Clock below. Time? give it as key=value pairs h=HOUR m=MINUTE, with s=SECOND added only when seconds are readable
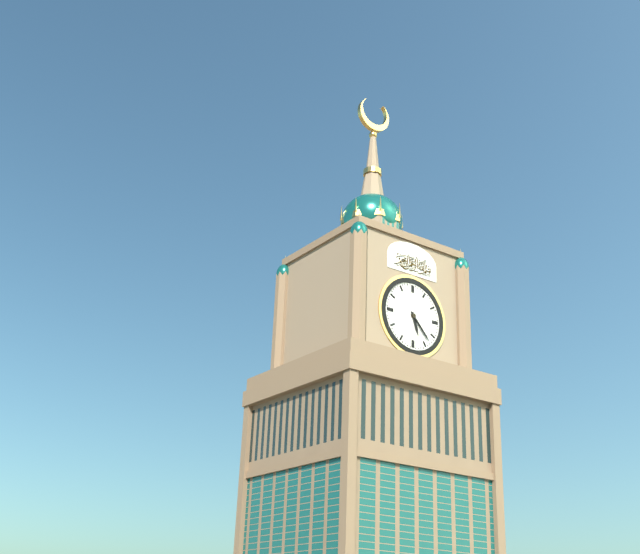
h=5 m=23
